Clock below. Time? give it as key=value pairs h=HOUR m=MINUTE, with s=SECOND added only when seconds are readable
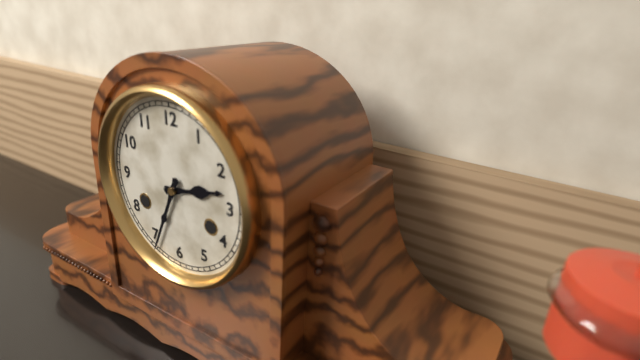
h=2 m=34
